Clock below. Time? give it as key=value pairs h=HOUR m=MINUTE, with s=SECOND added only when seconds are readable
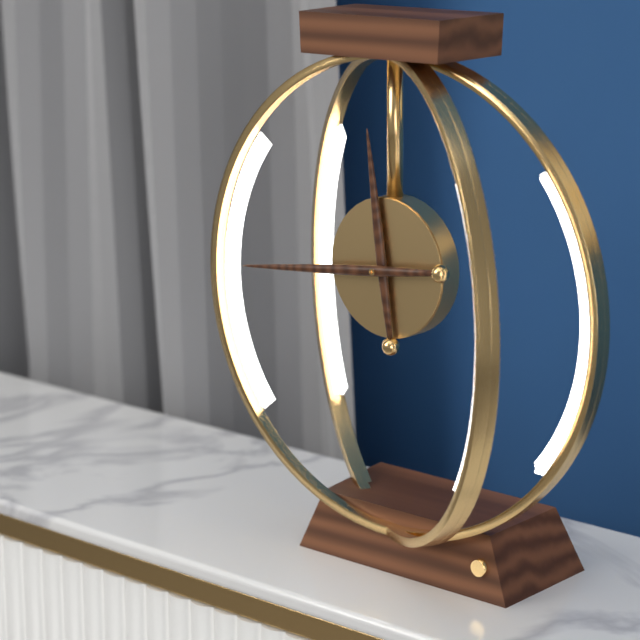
h=11 m=44
